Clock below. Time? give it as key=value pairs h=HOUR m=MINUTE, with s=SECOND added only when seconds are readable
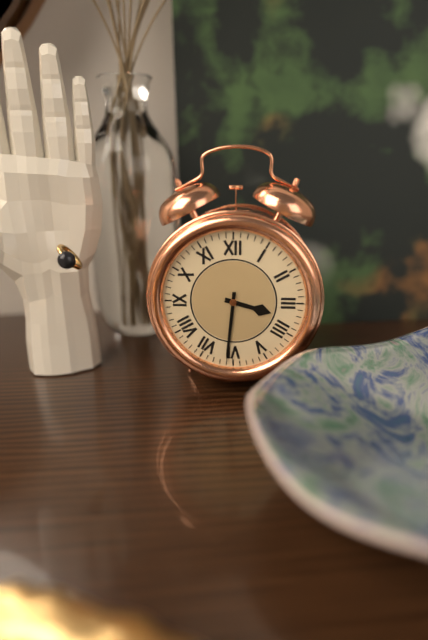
h=3 m=31
